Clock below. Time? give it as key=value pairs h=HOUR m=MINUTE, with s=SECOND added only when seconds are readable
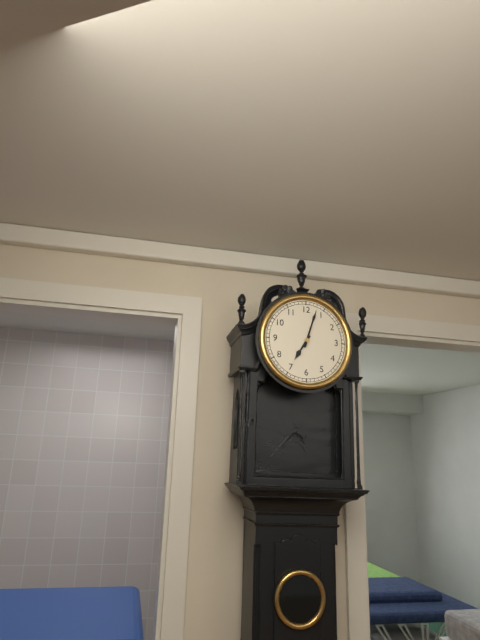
h=7 m=3
